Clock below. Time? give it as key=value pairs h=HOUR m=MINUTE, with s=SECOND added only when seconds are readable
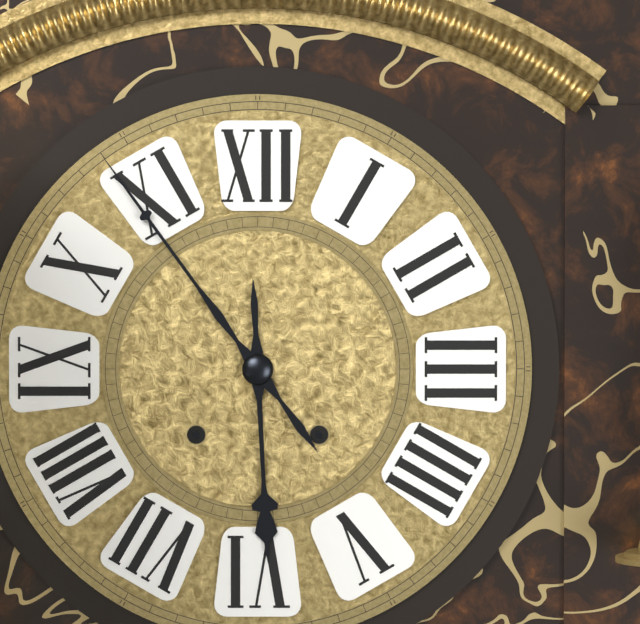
h=5 m=54
